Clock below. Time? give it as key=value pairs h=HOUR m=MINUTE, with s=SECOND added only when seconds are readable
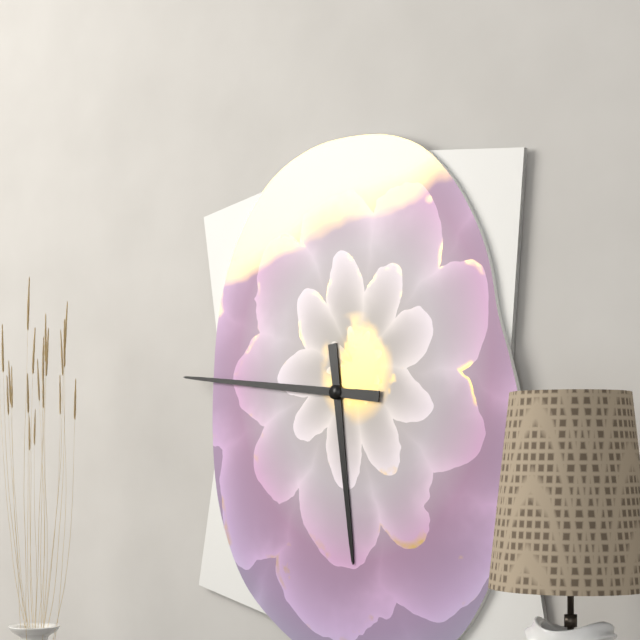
h=5 m=46
